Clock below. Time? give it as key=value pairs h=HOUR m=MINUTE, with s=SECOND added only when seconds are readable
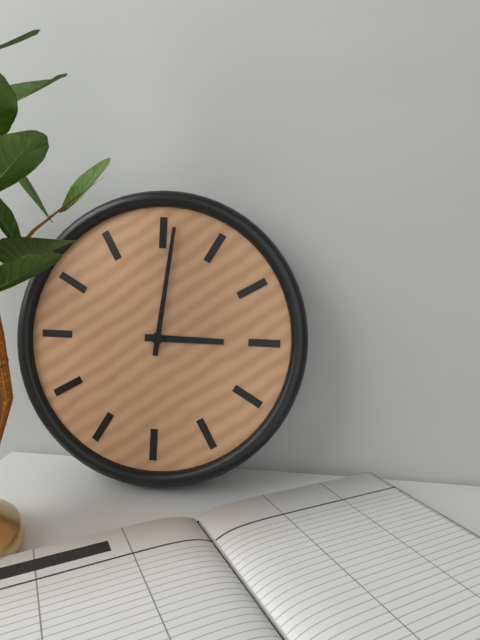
h=3 m=1
